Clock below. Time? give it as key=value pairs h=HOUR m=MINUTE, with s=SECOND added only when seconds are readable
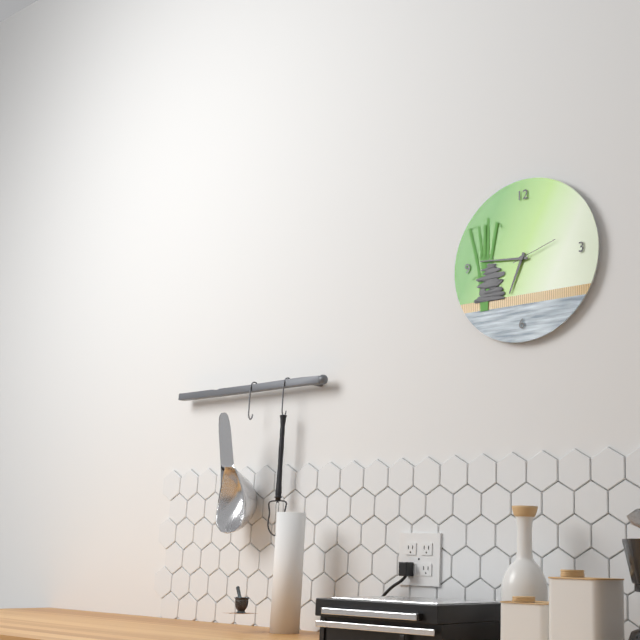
h=6 m=46
